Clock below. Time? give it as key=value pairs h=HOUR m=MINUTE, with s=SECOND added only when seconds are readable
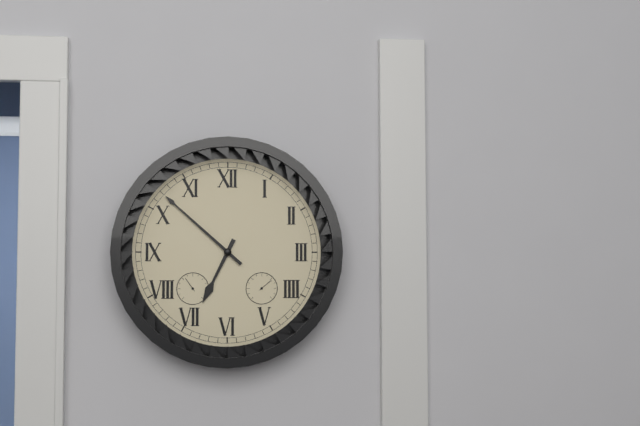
h=6 m=52
